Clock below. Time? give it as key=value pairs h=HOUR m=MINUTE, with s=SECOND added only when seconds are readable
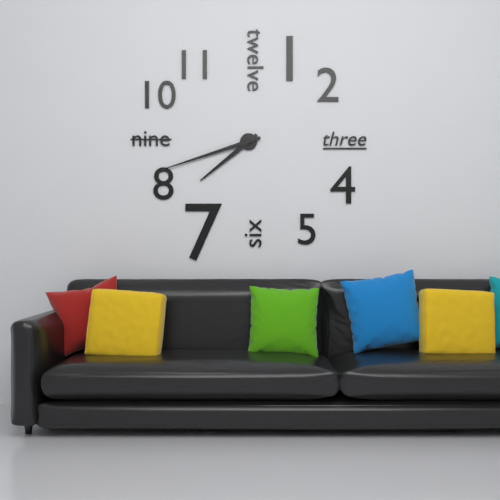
h=7 m=42
